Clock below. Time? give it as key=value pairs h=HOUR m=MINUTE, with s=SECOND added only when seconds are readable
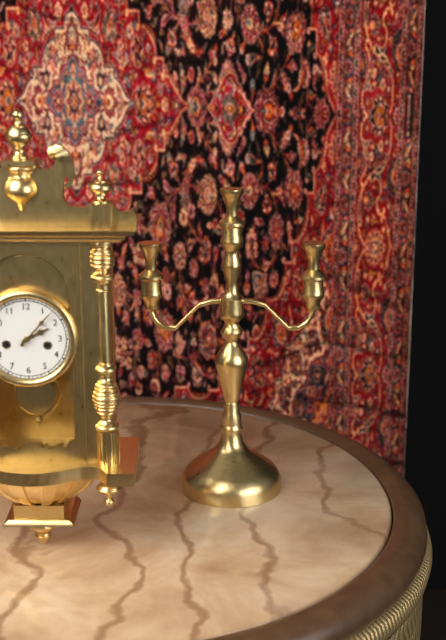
h=2 m=7
